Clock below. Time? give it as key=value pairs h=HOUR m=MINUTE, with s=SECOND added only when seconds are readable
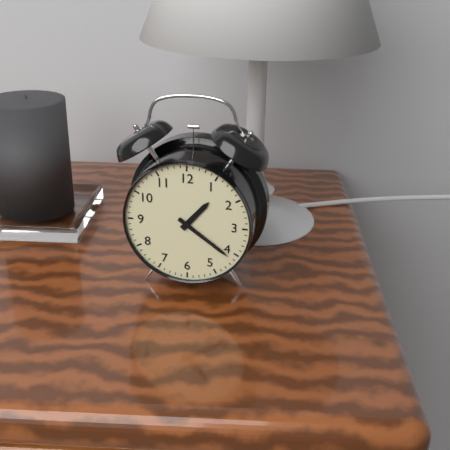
h=1 m=21
